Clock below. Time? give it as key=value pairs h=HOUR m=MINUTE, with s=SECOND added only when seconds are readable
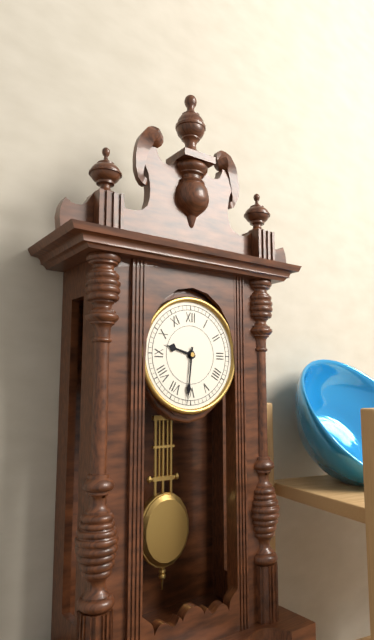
h=9 m=31
